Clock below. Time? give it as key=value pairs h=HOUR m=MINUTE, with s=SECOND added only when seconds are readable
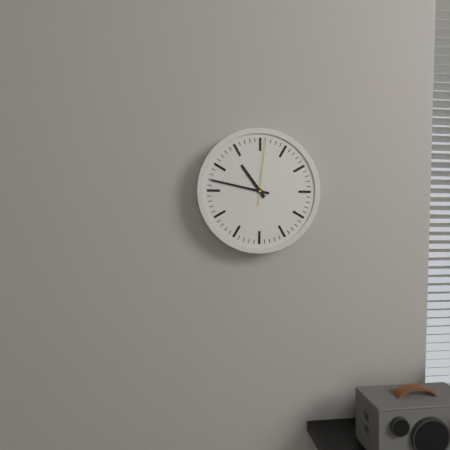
h=10 m=47 s=1
